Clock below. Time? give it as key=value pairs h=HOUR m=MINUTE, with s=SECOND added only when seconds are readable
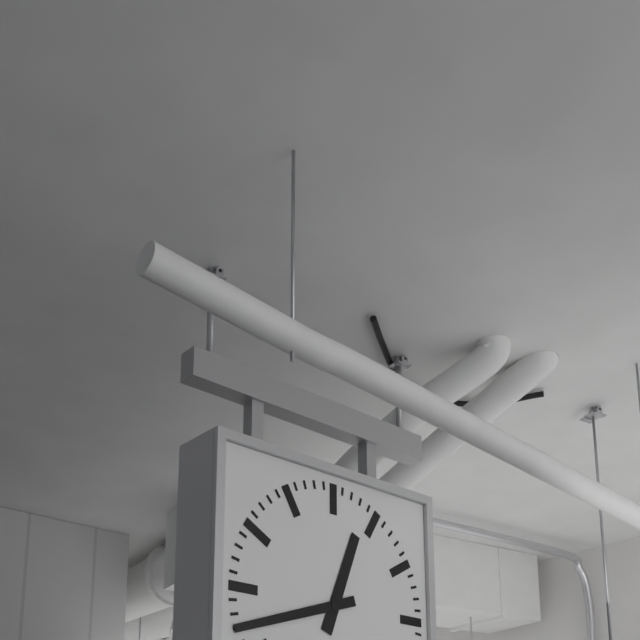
h=12 m=42
